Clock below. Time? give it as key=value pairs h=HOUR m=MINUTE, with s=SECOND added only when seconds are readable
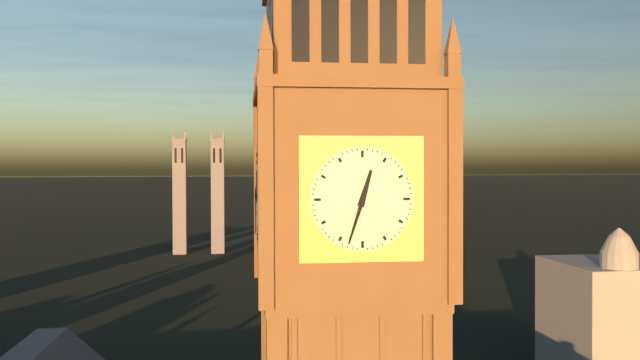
h=12 m=33
